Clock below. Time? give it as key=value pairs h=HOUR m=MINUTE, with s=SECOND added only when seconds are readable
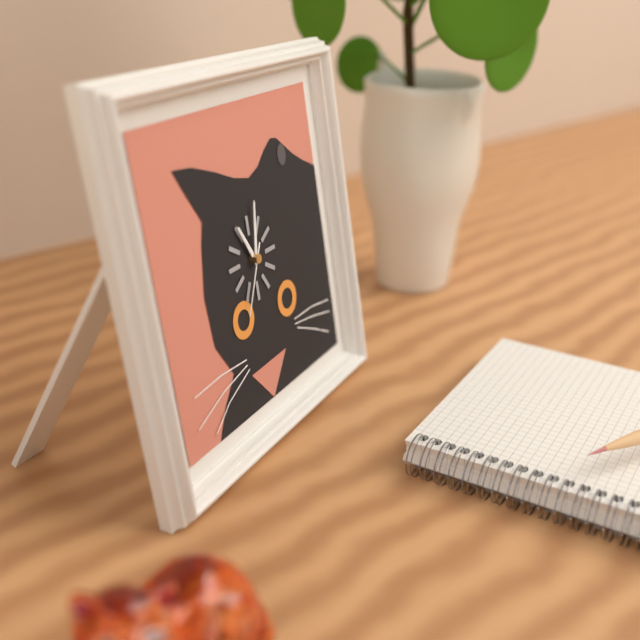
h=11 m=2 s=35
